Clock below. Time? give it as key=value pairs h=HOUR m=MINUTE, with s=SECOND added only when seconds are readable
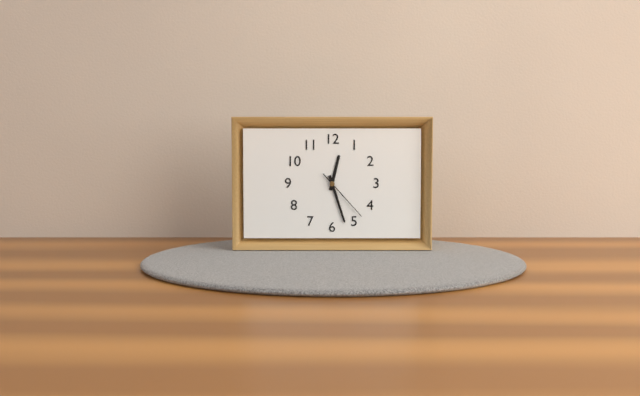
h=12 m=27 s=23
